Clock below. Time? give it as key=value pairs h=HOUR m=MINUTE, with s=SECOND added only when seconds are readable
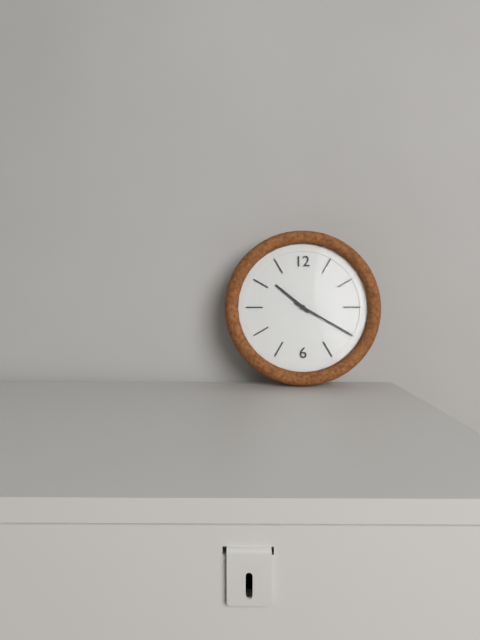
h=10 m=20
